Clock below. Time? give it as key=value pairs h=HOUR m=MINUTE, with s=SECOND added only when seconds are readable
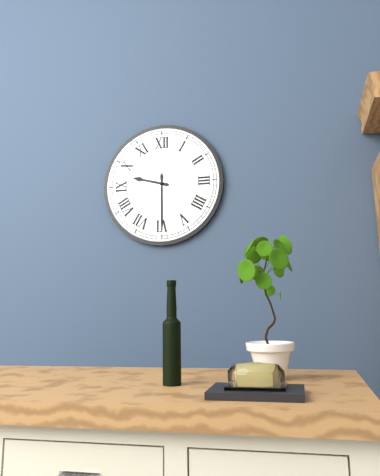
h=9 m=30
